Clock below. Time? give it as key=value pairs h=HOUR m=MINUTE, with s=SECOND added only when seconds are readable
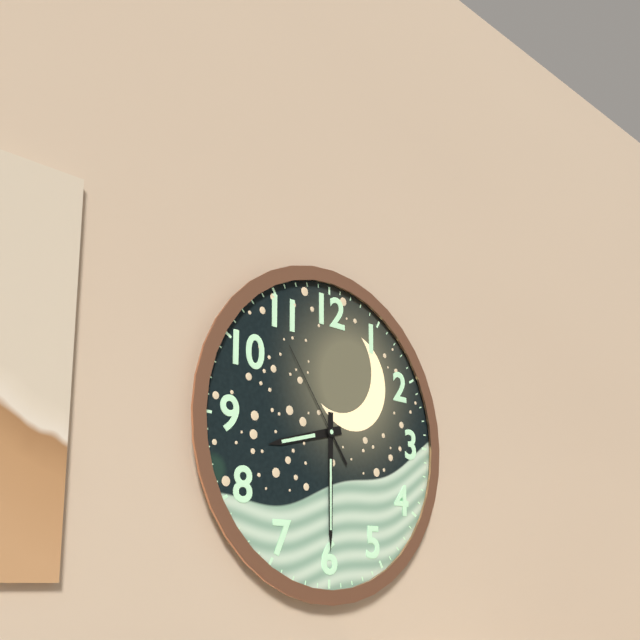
h=8 m=30 s=54
